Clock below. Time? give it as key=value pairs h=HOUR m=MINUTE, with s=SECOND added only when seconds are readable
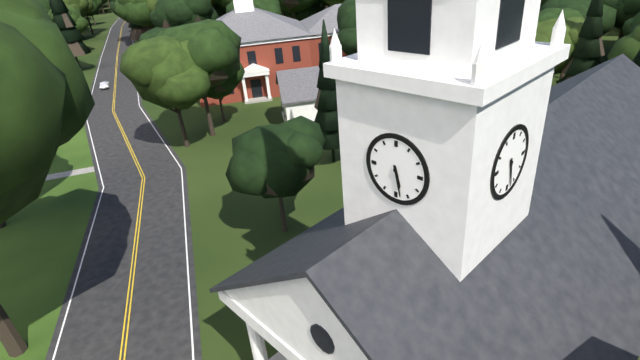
h=5 m=28
